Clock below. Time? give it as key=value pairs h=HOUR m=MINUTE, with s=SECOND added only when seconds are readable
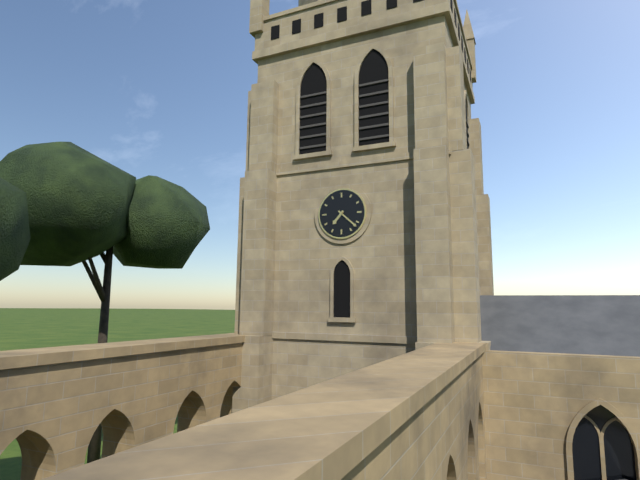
h=7 m=22
